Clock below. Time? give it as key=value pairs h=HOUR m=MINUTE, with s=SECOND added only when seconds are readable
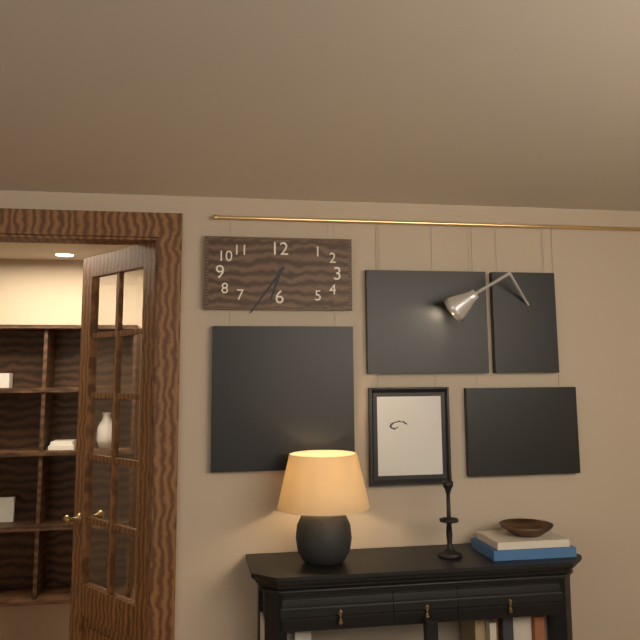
h=6 m=36
